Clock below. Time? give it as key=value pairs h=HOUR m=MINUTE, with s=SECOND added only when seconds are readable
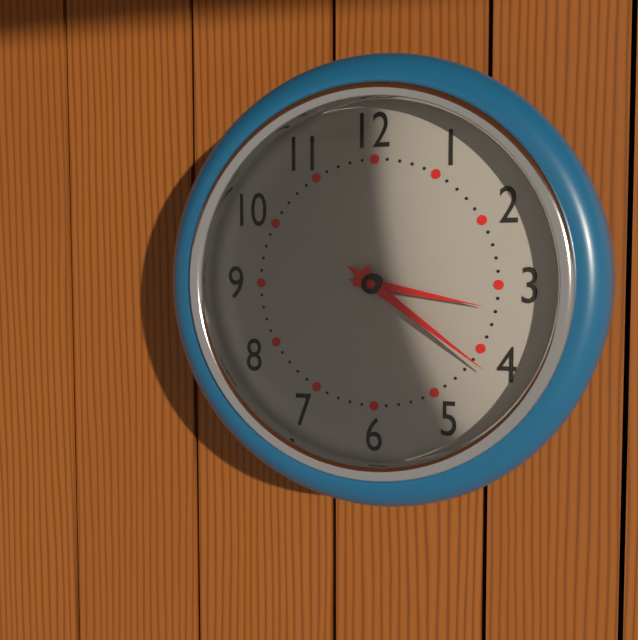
h=3 m=21
